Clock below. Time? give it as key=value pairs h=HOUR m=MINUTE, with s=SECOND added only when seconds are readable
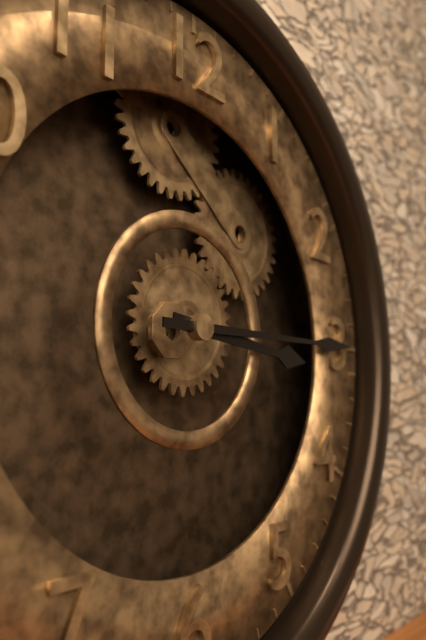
h=3 m=15
